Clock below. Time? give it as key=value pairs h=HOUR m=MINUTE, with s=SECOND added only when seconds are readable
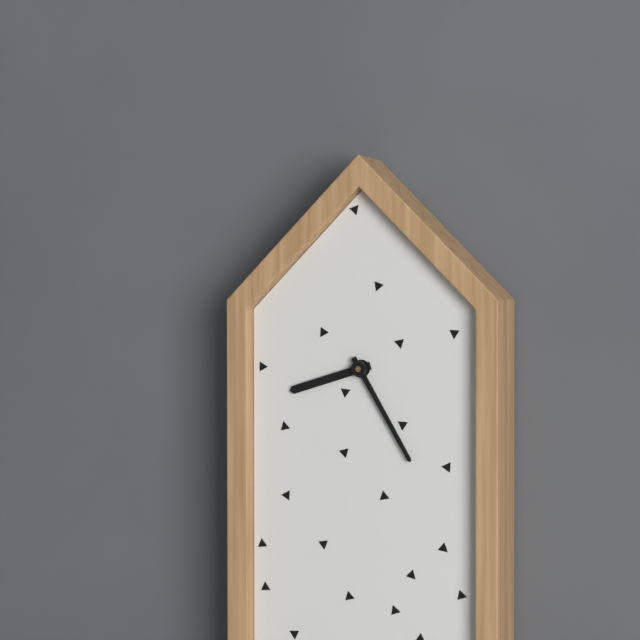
h=8 m=25
